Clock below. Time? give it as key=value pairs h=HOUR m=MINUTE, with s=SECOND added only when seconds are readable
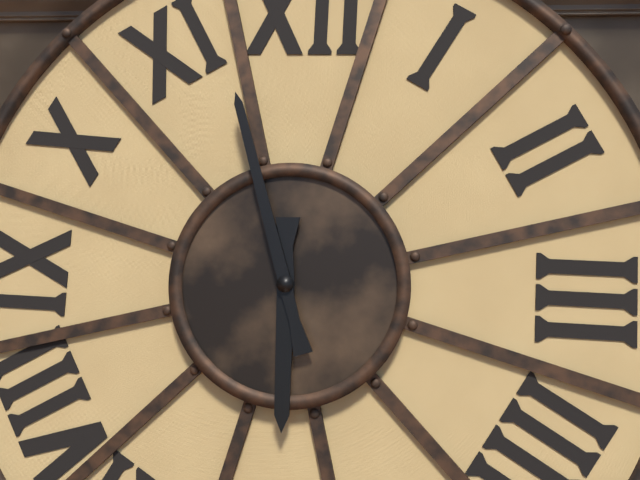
h=5 m=57
